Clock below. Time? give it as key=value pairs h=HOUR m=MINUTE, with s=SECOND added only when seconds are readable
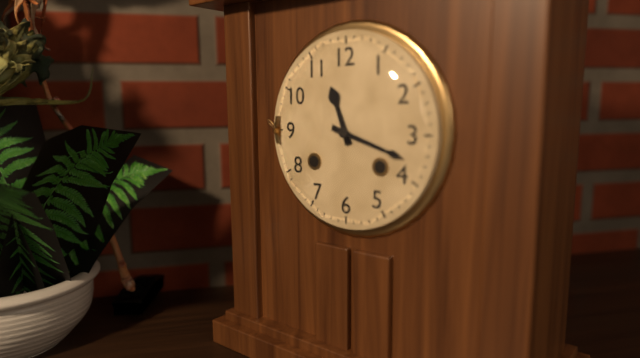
h=11 m=18
